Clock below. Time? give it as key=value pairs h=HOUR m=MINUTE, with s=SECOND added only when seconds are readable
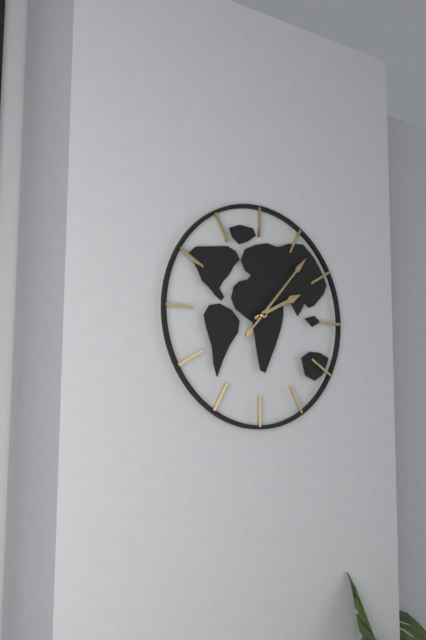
h=2 m=7
